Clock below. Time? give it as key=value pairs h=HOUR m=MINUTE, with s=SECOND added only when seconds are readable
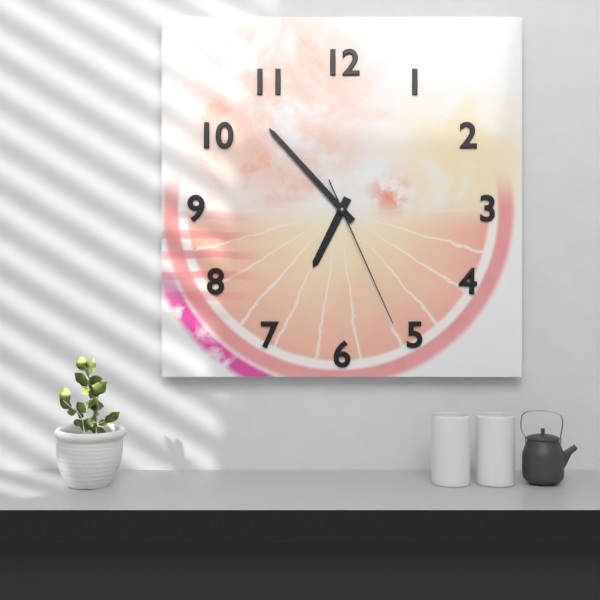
h=6 m=53 s=26
